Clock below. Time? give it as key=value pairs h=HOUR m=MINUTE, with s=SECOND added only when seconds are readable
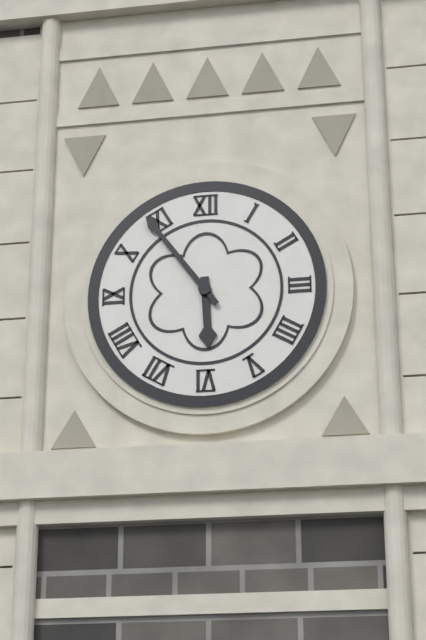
h=5 m=54
